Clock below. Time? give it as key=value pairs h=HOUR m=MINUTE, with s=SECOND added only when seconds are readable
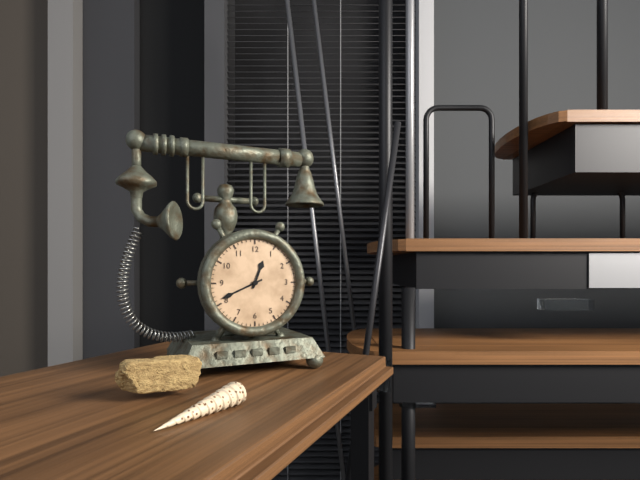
h=12 m=41
